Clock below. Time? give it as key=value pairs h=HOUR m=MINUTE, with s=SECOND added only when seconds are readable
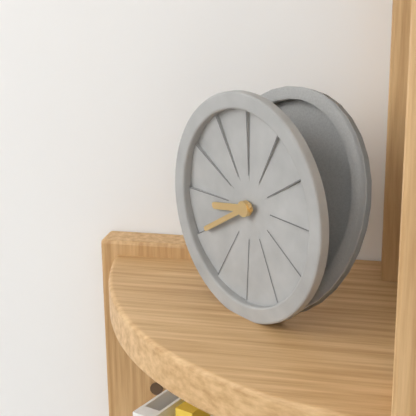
h=8 m=40
